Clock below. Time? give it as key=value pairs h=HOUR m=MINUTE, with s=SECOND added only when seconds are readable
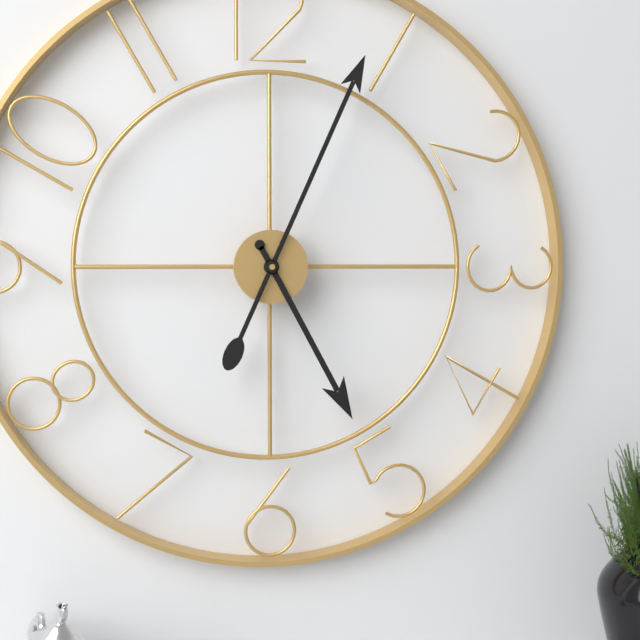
h=5 m=4
